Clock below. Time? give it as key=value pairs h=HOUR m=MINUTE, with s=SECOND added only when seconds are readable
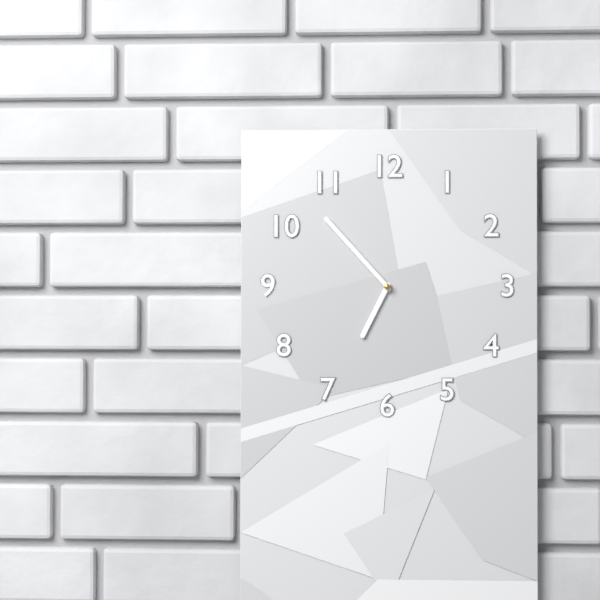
h=6 m=53
